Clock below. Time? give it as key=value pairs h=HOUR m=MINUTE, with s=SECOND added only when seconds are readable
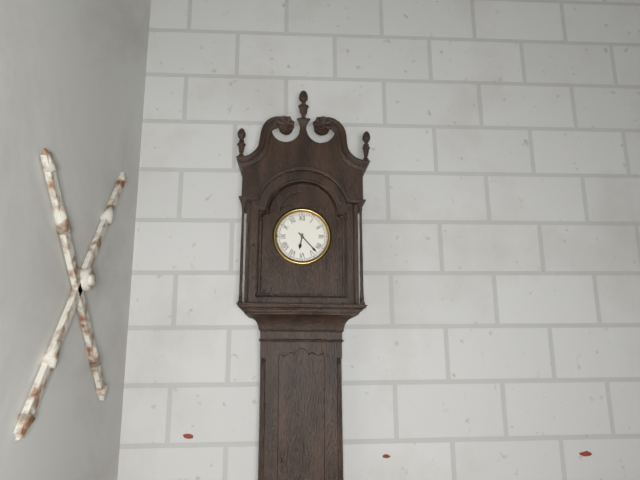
h=6 m=23
